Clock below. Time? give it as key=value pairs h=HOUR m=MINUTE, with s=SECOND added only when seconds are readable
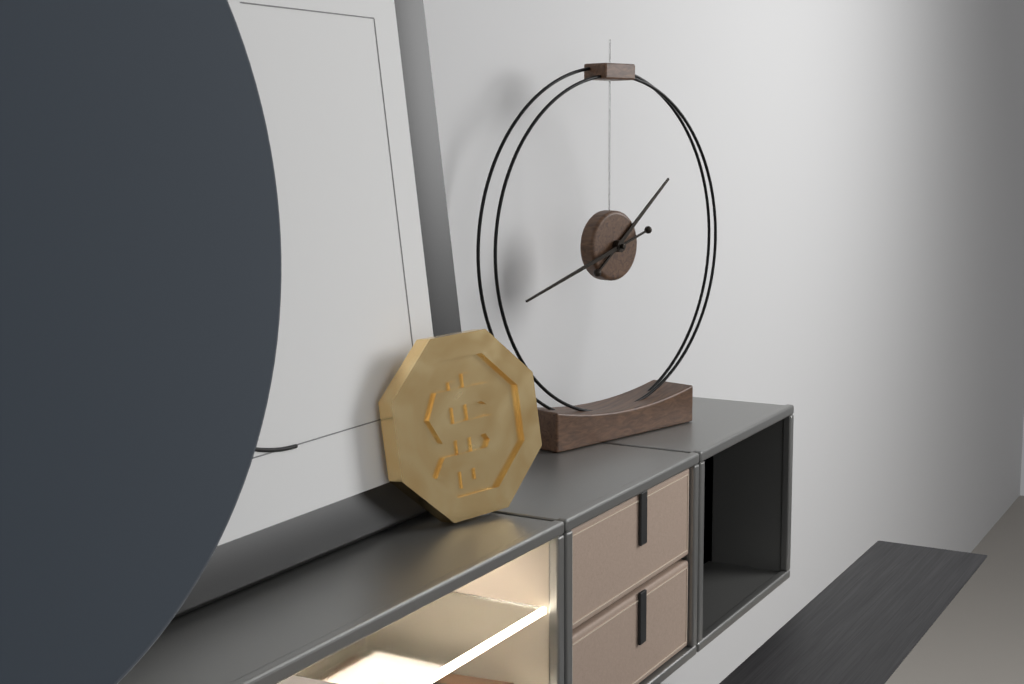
h=1 m=42
